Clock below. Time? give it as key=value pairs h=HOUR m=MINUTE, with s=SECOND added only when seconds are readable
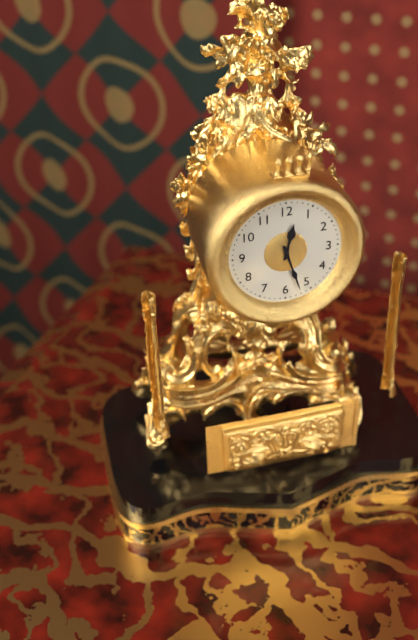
h=12 m=27
